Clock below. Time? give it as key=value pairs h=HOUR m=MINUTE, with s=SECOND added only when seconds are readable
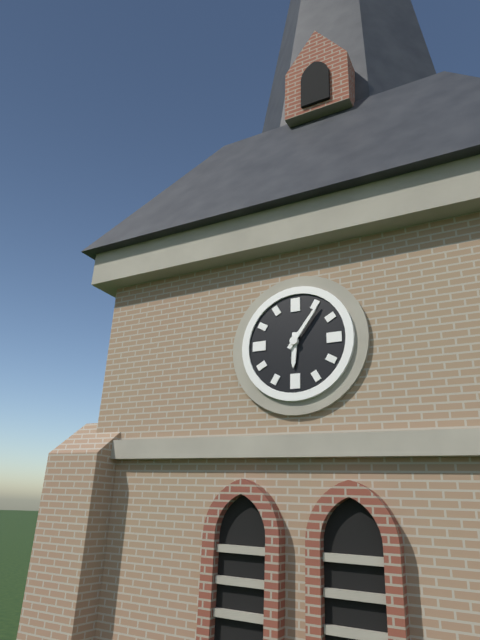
h=6 m=6
